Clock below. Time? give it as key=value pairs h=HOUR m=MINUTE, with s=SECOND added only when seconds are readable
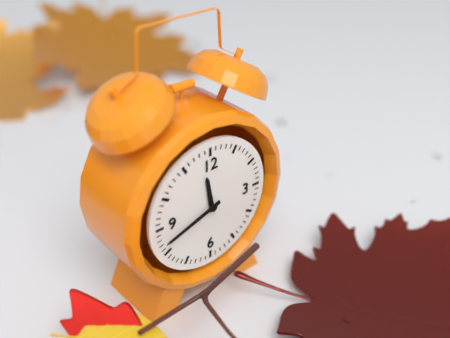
h=11 m=42
